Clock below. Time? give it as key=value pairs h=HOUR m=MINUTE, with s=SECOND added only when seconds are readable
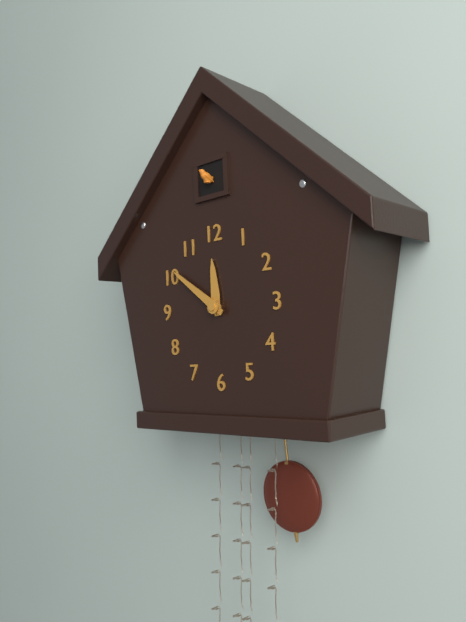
h=11 m=51
